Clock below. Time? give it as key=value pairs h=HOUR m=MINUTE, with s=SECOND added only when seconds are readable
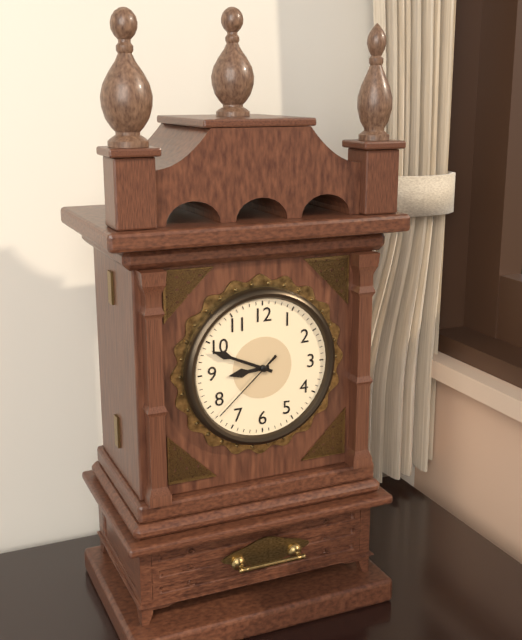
h=8 m=49 s=38
